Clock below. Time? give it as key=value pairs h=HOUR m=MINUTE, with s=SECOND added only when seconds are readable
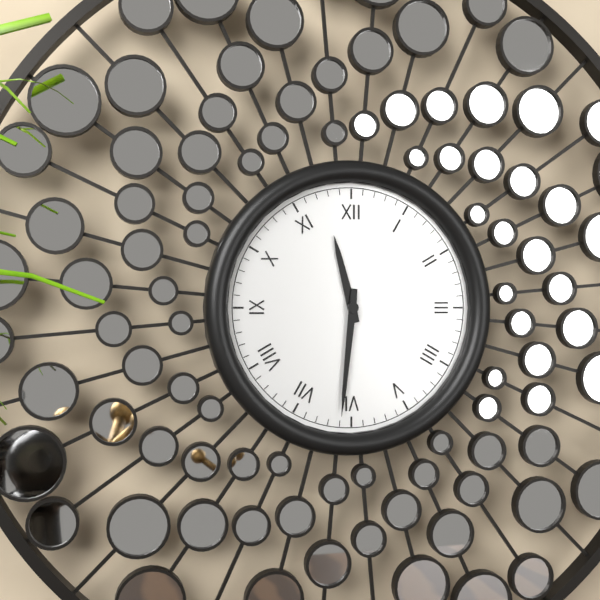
h=11 m=31
